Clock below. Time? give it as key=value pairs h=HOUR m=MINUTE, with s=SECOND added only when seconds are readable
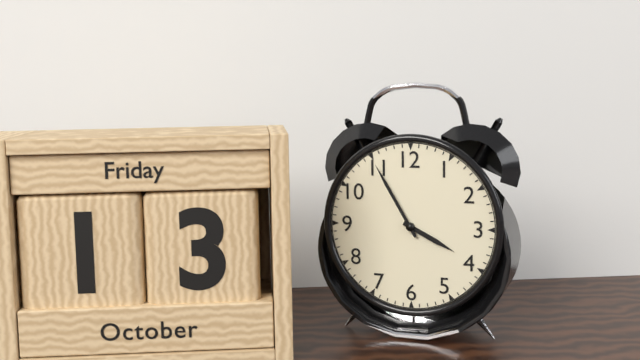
h=3 m=55
